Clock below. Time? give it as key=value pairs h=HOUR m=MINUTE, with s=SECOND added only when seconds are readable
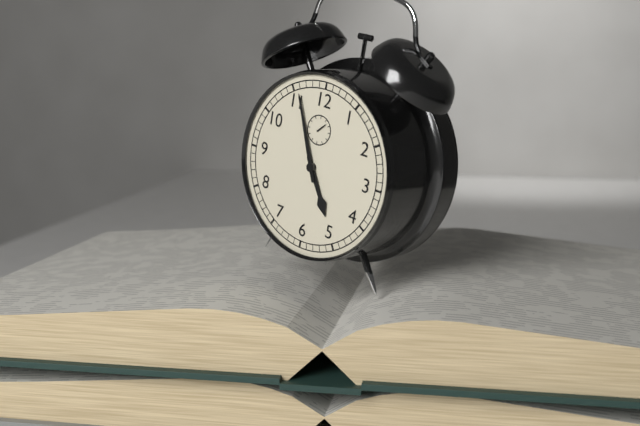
h=4 m=56
